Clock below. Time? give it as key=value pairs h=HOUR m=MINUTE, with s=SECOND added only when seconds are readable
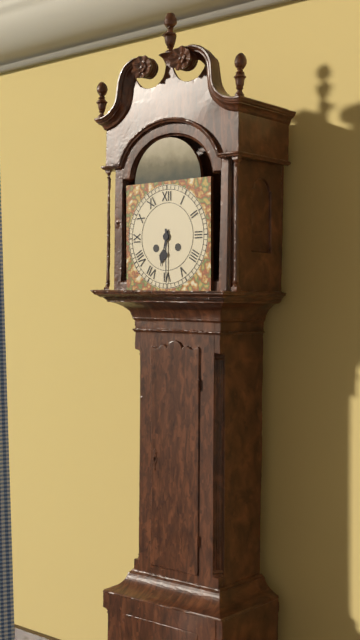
h=6 m=30
